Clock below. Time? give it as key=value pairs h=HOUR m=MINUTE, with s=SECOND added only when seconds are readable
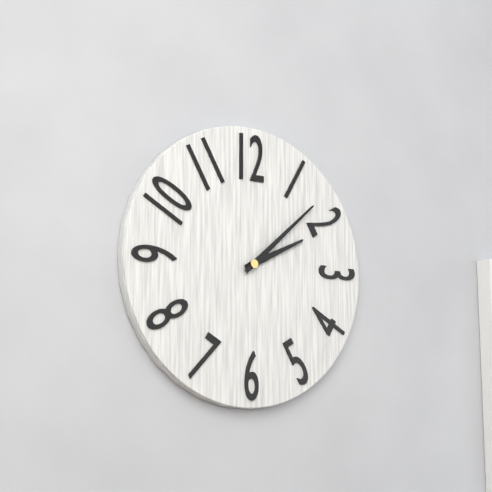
h=2 m=8
